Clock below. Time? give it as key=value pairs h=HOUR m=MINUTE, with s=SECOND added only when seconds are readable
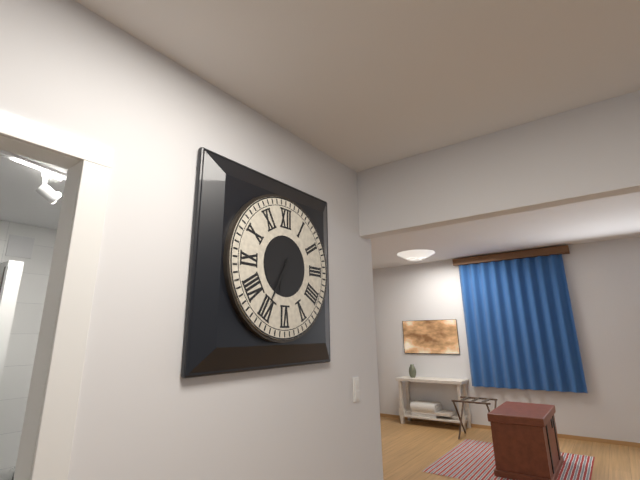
h=6 m=35
